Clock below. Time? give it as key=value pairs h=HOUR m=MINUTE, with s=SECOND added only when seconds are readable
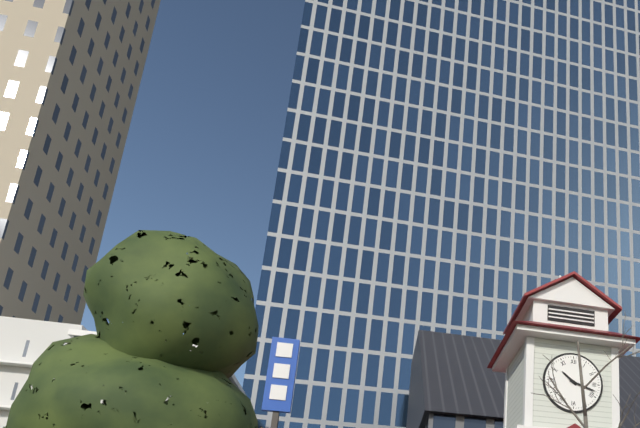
h=10 m=18
